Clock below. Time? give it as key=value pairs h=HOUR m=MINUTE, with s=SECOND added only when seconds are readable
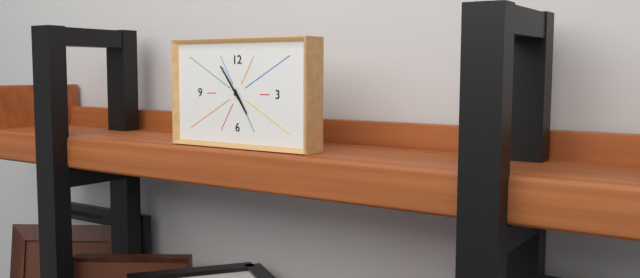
h=4 m=54
